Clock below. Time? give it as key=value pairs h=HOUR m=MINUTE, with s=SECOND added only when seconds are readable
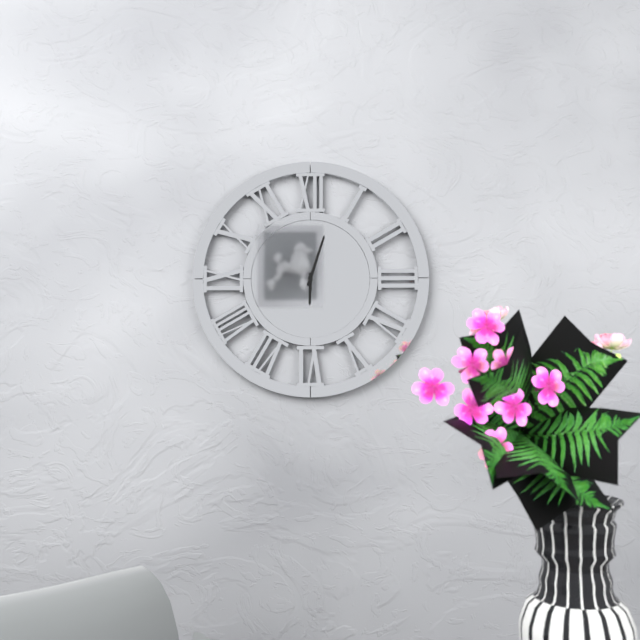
h=6 m=3
